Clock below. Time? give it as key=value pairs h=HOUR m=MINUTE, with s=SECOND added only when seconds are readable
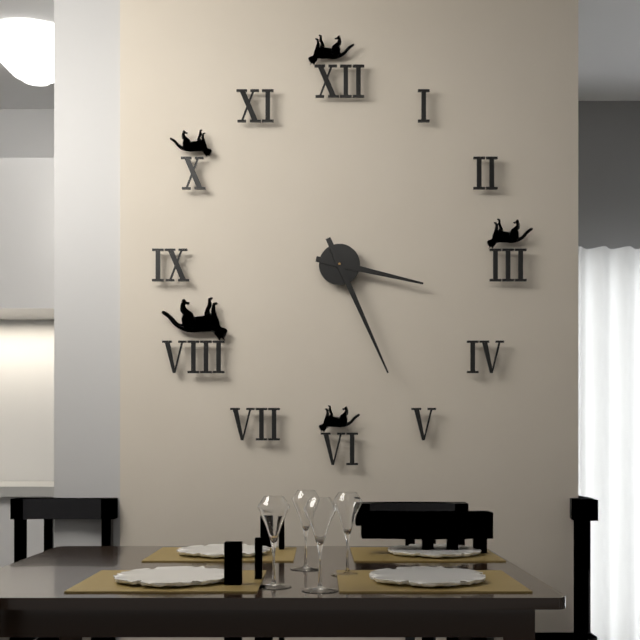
h=3 m=26
